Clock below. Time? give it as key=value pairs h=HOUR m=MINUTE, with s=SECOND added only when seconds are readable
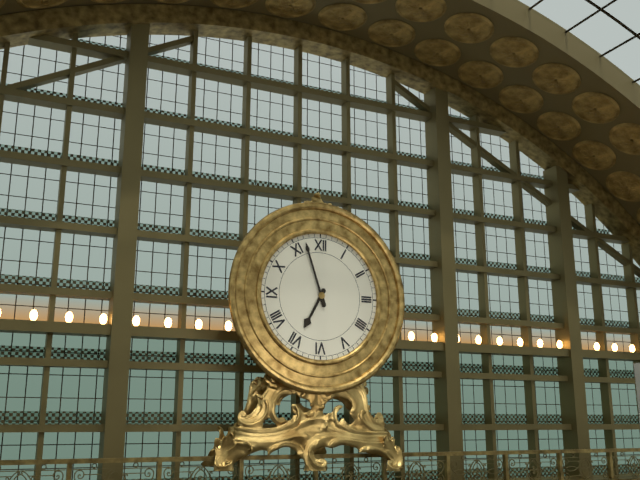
h=6 m=57
